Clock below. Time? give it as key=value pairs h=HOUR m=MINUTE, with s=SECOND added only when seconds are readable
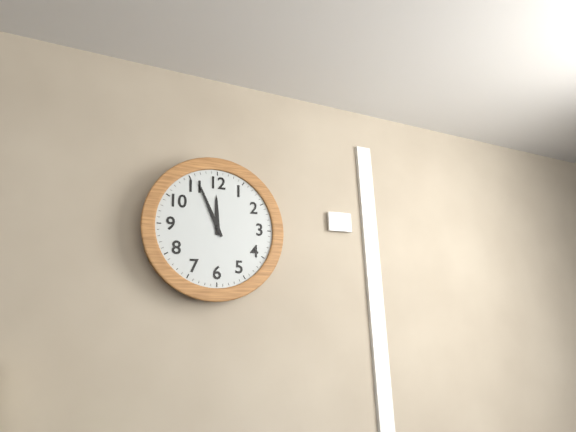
h=11 m=56
